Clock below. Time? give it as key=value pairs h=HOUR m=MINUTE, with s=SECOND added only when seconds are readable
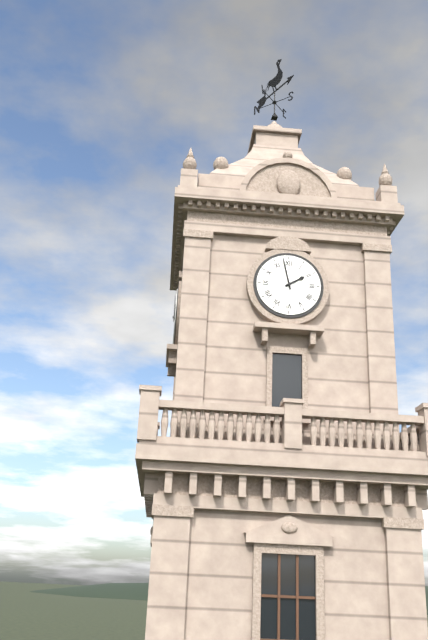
h=1 m=58
